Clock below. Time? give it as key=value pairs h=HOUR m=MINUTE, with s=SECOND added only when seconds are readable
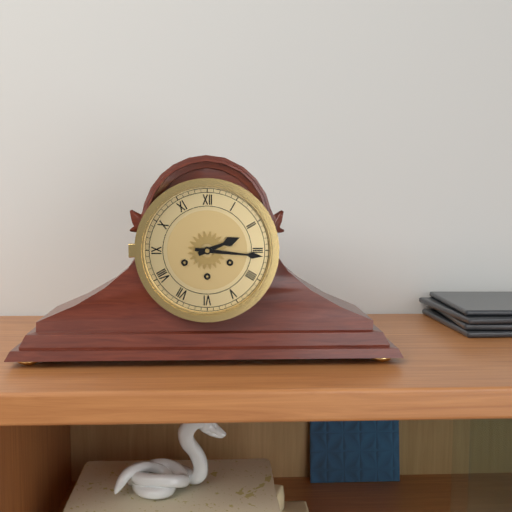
h=2 m=16
